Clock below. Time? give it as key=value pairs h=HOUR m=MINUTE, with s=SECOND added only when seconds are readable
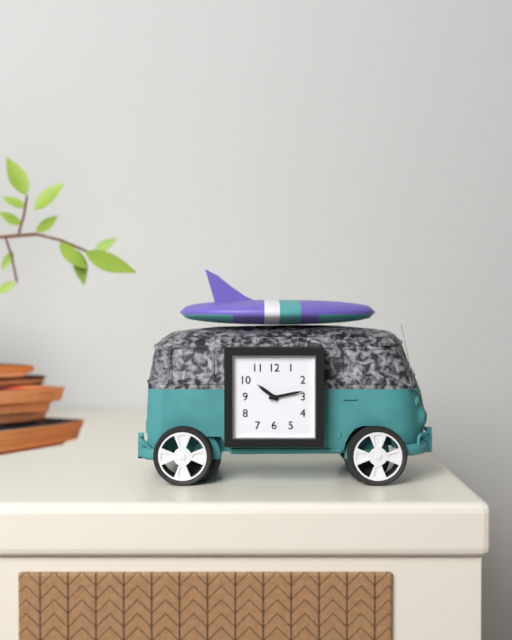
h=10 m=13
